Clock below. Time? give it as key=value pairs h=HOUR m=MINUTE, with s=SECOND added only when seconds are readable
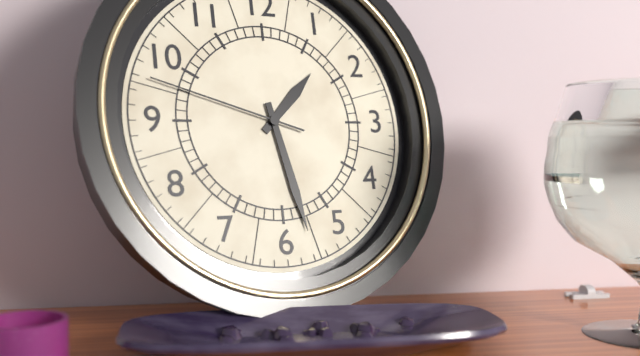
h=1 m=28 s=48
